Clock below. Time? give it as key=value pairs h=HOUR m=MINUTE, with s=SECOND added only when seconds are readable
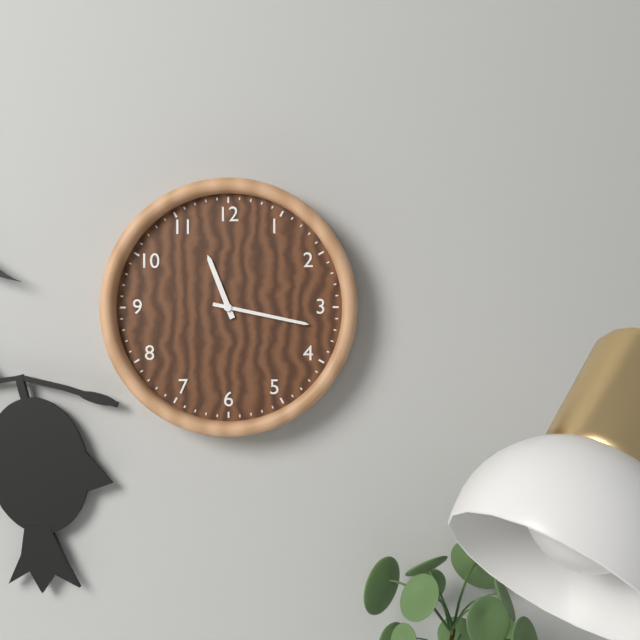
h=11 m=17
